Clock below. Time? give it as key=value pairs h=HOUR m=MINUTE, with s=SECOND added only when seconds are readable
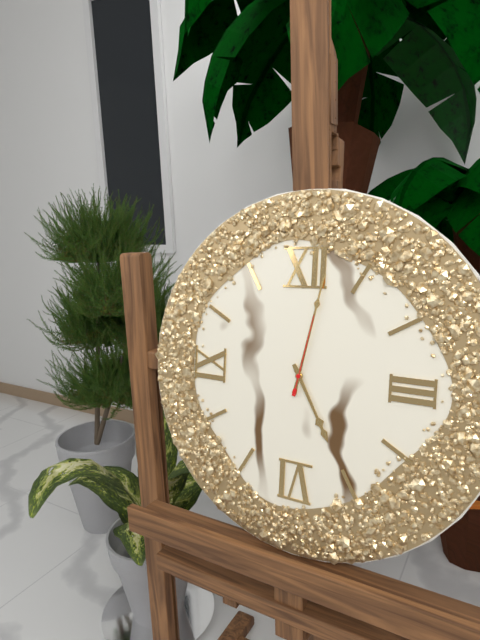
h=5 m=2 s=2
